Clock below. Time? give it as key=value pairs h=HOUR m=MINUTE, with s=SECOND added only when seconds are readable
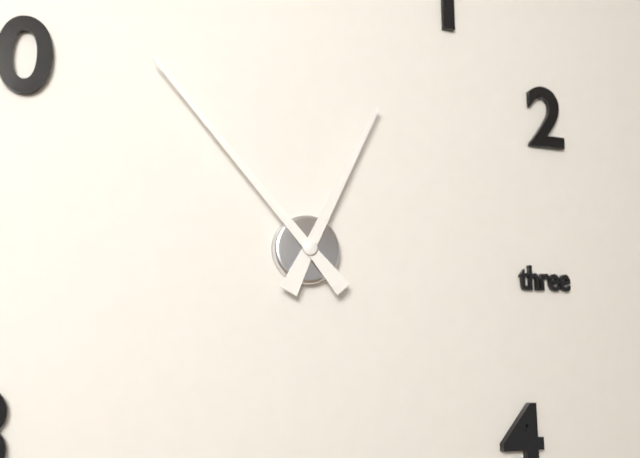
h=12 m=53
